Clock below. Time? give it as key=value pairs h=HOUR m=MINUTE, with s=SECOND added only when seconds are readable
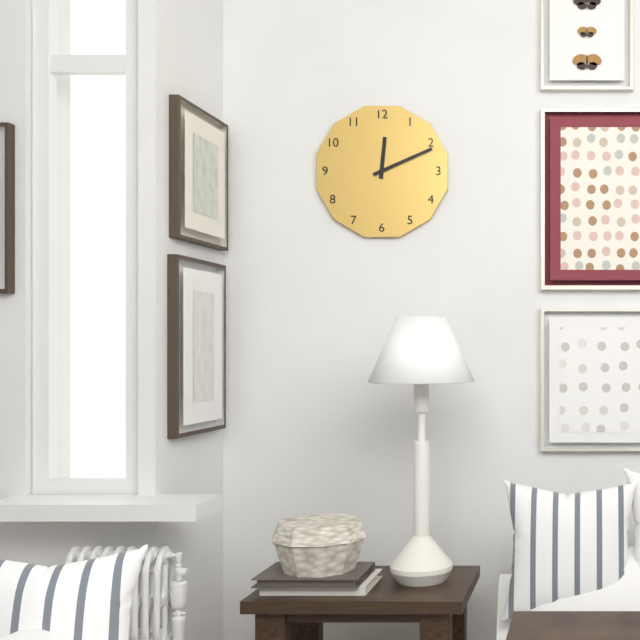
h=12 m=11
